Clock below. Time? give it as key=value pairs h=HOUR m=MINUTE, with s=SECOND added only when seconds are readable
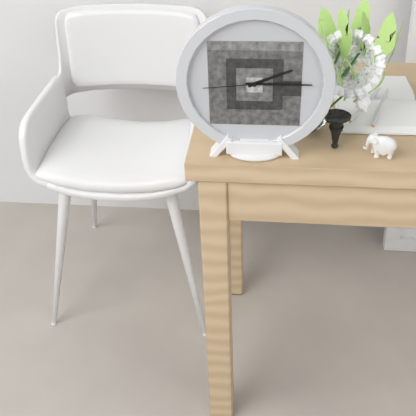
h=2 m=15 s=44
